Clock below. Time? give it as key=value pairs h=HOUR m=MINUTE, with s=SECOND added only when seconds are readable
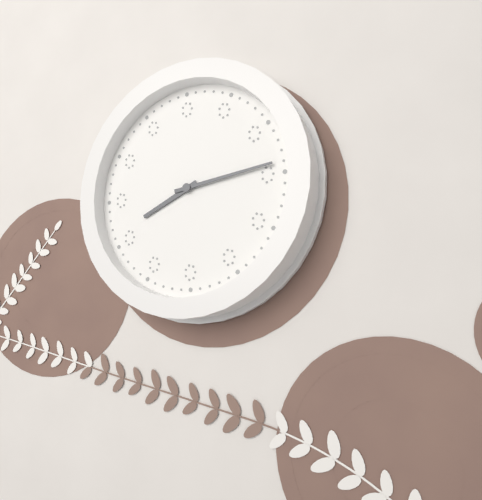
h=8 m=14
